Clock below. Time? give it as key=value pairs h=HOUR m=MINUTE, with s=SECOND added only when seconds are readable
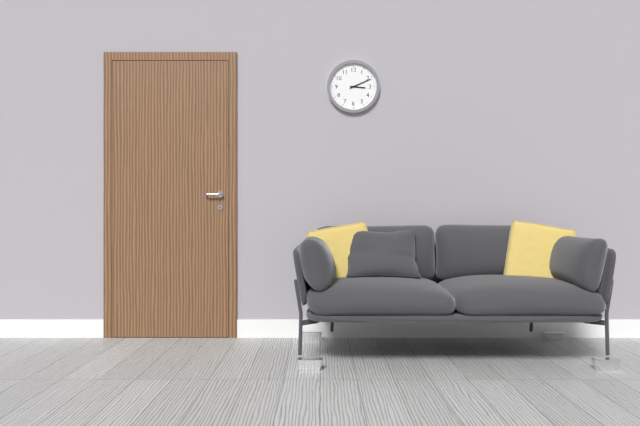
h=3 m=11
